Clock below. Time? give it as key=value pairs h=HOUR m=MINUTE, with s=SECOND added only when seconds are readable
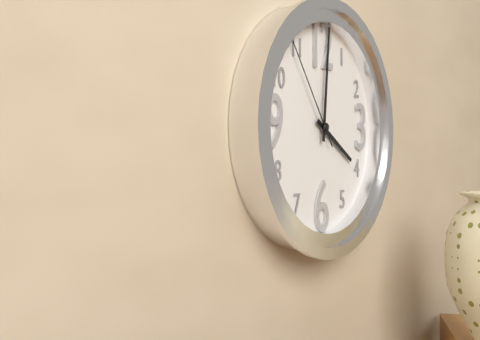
h=4 m=1 s=54
